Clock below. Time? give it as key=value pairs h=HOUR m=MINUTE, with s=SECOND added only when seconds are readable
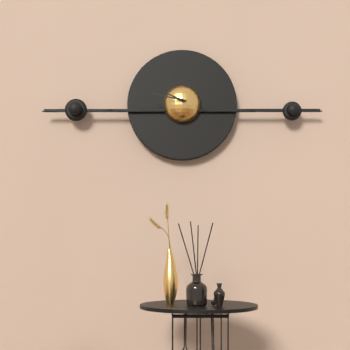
h=9 m=47
